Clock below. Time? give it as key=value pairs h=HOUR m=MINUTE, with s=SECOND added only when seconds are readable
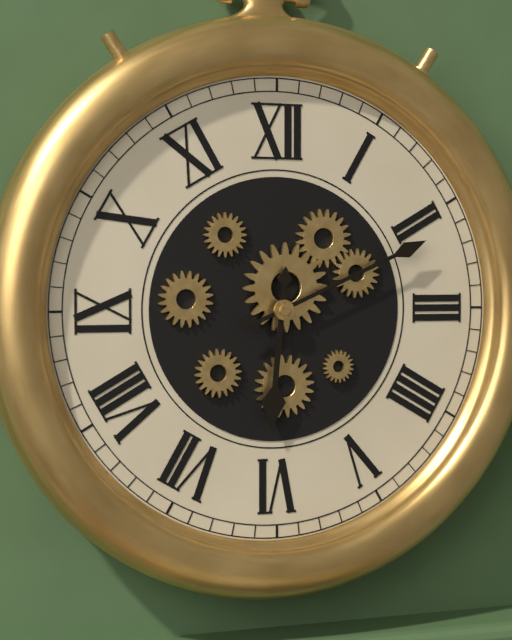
h=6 m=11
